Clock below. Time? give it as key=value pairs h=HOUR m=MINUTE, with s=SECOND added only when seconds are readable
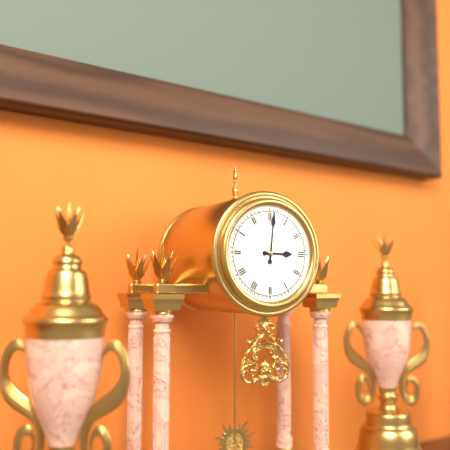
h=3 m=1
